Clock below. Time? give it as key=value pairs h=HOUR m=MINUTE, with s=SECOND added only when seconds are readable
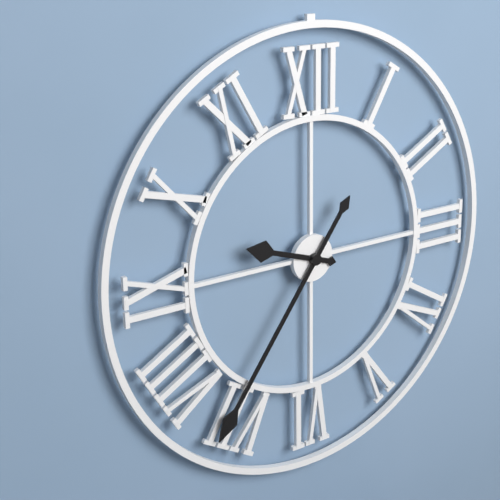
h=9 m=36
